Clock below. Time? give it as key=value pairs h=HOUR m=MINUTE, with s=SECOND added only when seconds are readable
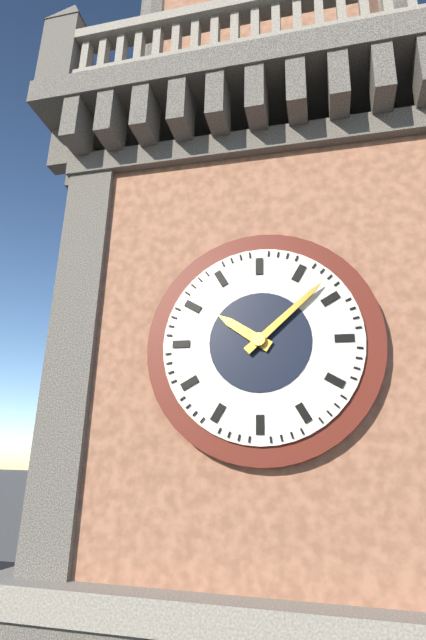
h=10 m=8
